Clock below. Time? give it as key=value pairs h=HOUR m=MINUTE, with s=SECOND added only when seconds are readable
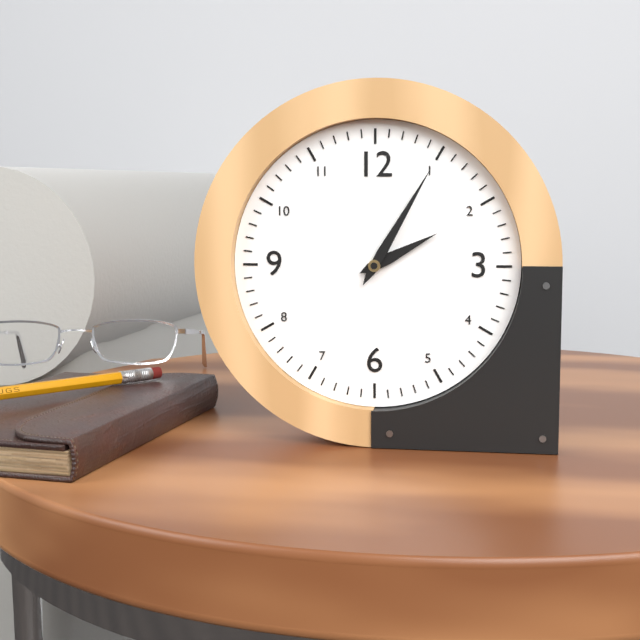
h=2 m=5
